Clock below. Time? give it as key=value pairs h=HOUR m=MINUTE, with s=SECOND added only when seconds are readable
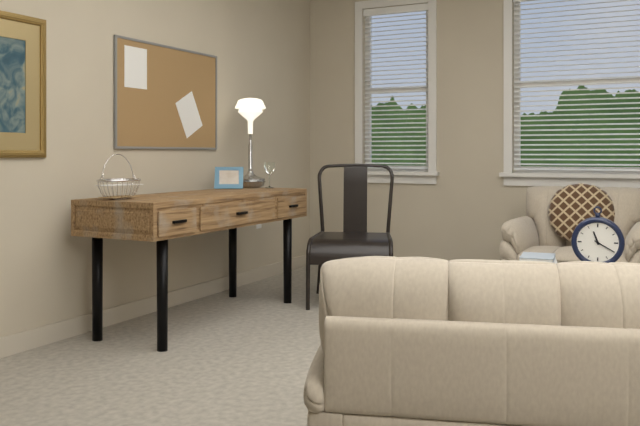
h=11 m=20
